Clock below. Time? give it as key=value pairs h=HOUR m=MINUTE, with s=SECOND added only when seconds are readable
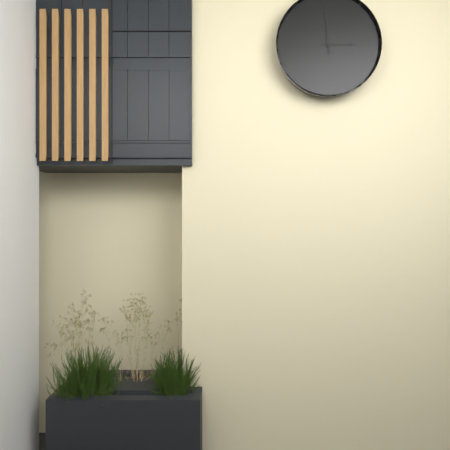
h=2 m=59
